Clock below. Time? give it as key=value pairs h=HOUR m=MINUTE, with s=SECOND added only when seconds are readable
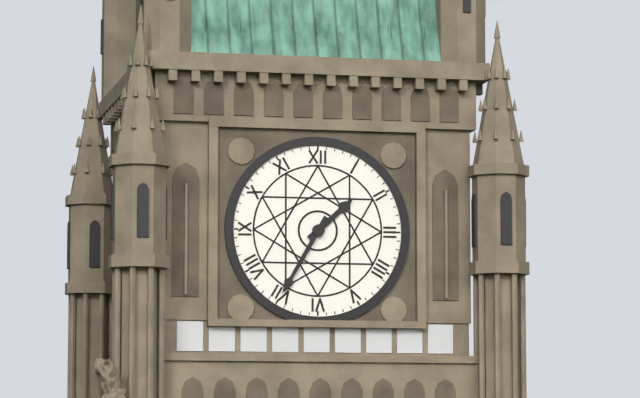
h=1 m=35
